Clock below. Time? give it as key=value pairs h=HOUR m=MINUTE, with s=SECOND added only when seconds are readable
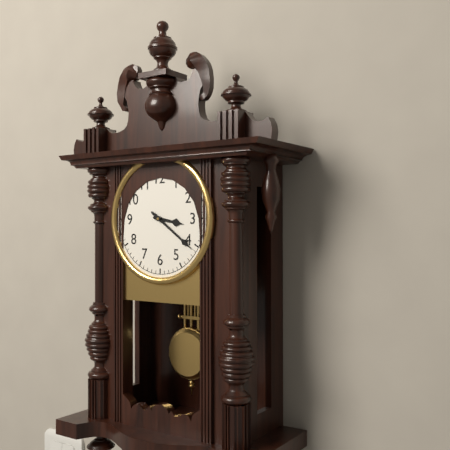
h=3 m=21
